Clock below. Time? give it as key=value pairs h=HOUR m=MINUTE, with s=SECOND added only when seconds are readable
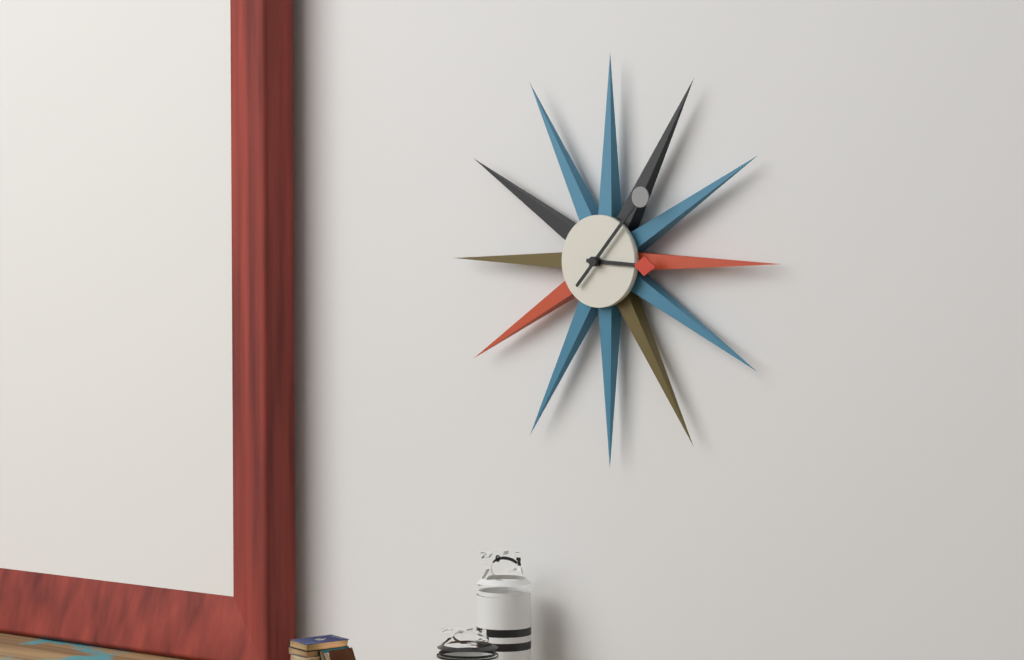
h=3 m=7
